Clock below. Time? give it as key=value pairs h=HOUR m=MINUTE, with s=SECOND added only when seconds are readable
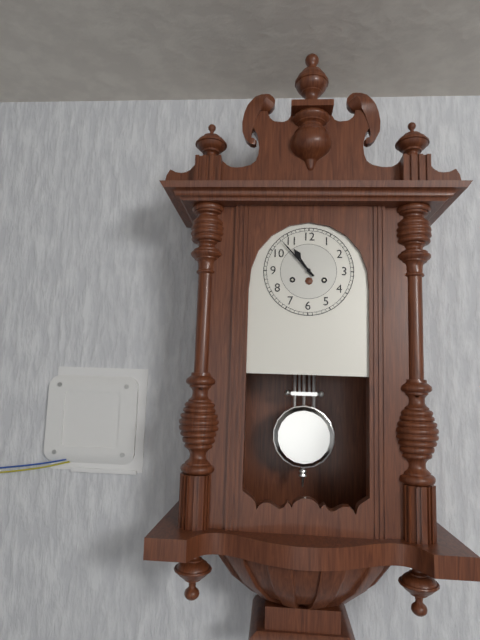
h=10 m=53
